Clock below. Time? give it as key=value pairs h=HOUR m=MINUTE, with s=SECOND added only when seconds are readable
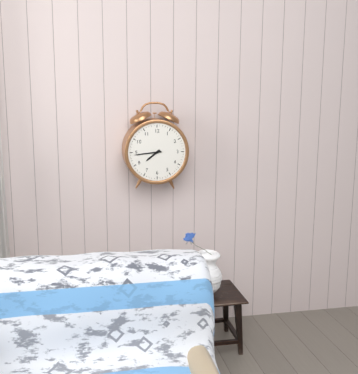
h=7 m=44
